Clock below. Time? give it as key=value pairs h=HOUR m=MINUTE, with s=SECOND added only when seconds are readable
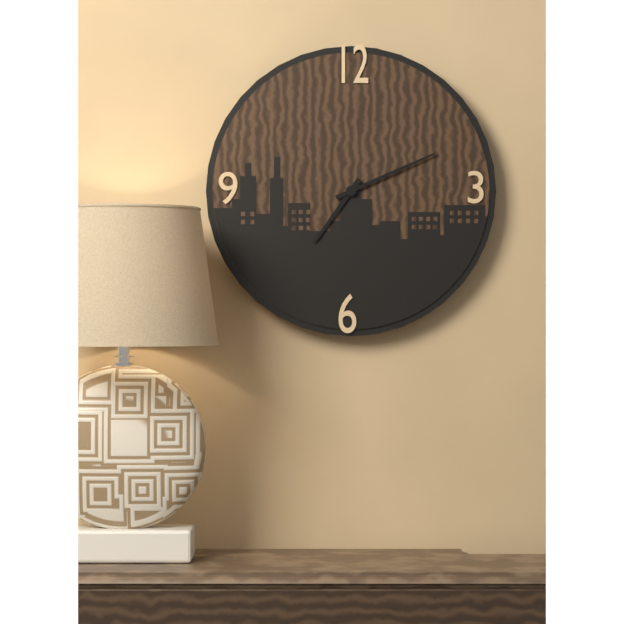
h=7 m=11
